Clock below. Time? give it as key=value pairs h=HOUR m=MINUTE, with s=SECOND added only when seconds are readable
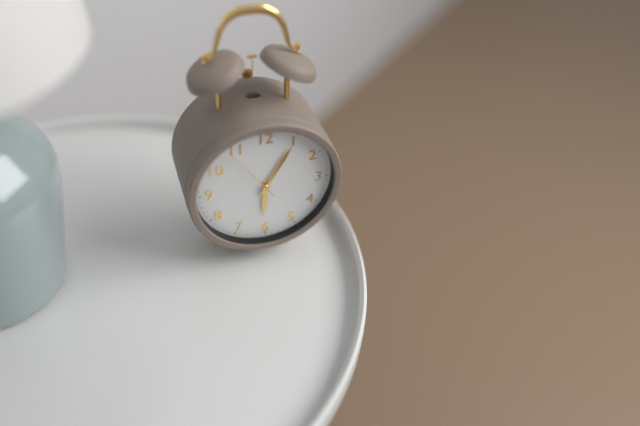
h=6 m=5 s=54
